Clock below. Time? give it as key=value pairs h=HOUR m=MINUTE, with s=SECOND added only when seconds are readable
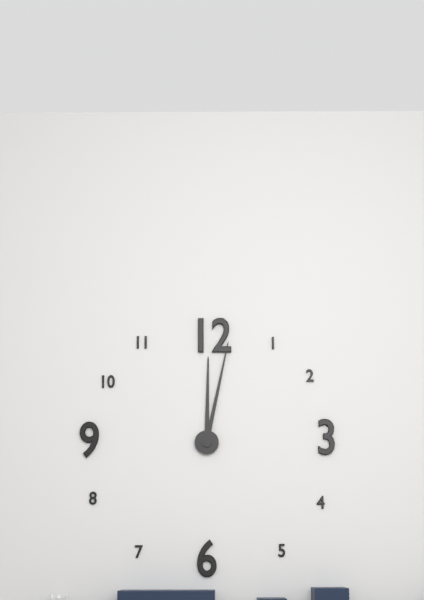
h=12 m=2
